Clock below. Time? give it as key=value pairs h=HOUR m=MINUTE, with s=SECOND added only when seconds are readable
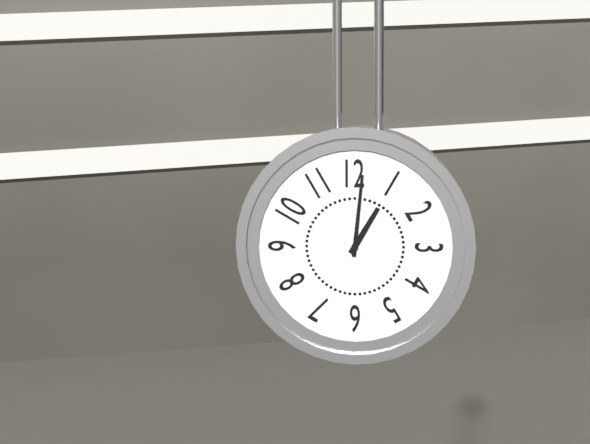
h=1 m=1
